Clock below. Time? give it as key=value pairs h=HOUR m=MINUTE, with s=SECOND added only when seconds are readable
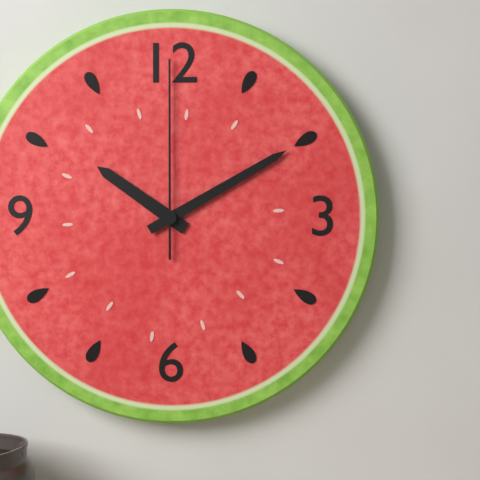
h=10 m=10 s=0
